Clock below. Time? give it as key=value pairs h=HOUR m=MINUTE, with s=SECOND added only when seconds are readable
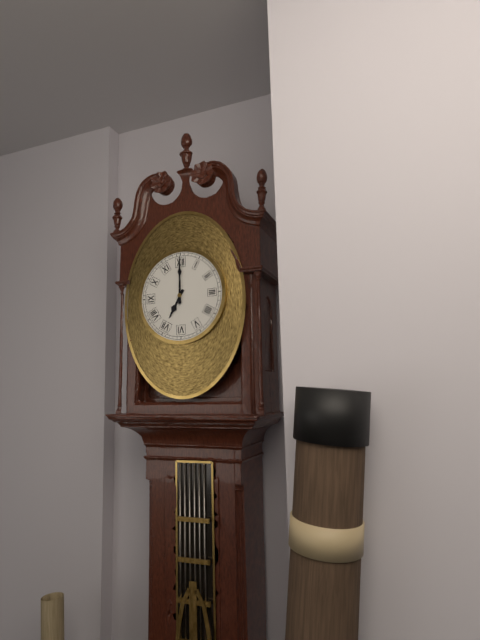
h=7 m=0
